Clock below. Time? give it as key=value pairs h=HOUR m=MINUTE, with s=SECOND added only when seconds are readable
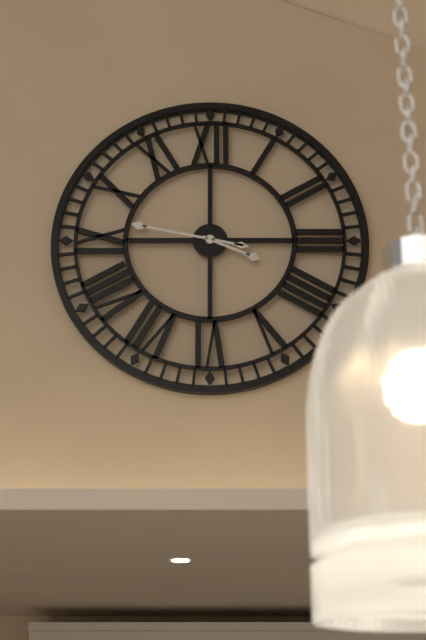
h=3 m=47
